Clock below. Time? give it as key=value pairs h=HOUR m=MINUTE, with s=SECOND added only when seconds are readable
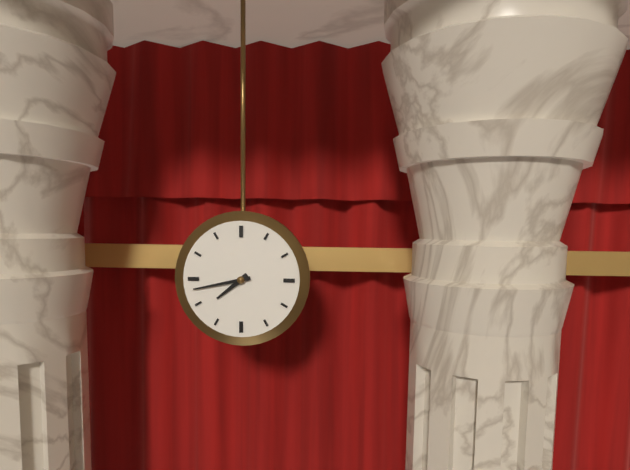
h=7 m=43
